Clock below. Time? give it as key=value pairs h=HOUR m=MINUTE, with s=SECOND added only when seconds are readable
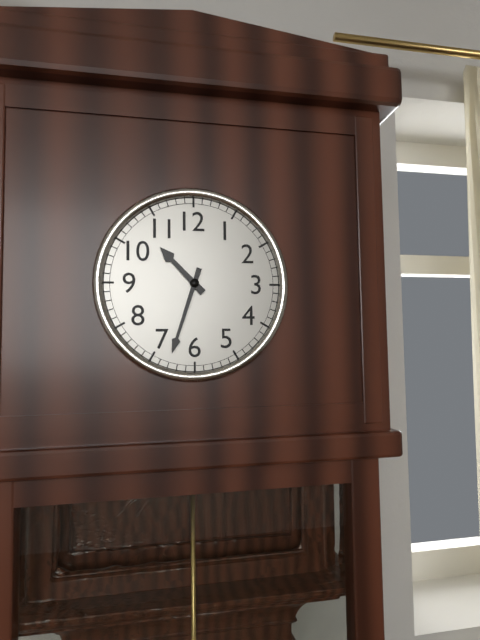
h=10 m=33
